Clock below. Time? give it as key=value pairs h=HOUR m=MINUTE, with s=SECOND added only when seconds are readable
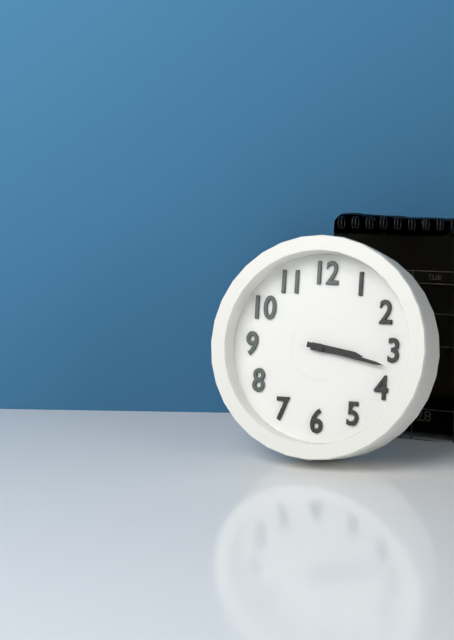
h=3 m=17
